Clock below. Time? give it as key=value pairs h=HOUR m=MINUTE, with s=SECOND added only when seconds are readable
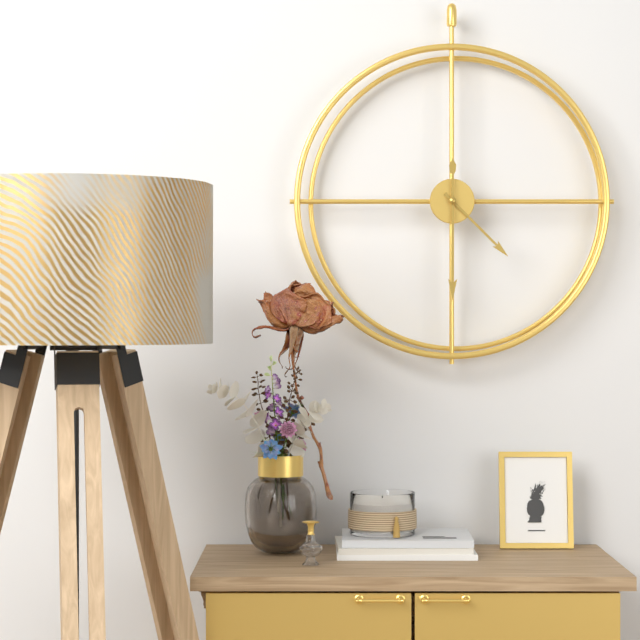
h=4 m=30
